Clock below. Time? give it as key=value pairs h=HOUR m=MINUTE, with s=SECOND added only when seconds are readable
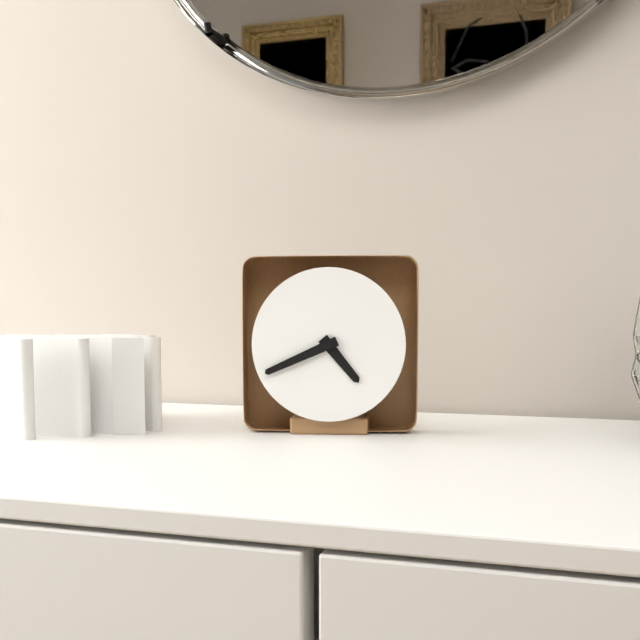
h=4 m=41
